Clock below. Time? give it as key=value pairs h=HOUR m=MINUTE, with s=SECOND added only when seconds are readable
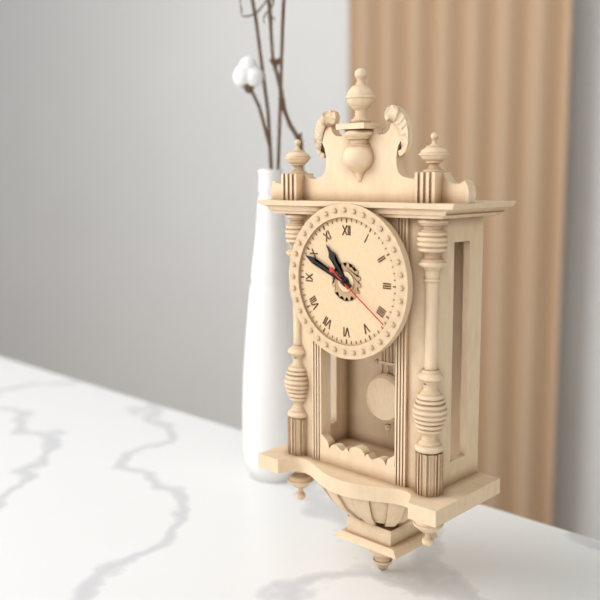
h=10 m=49 s=21
